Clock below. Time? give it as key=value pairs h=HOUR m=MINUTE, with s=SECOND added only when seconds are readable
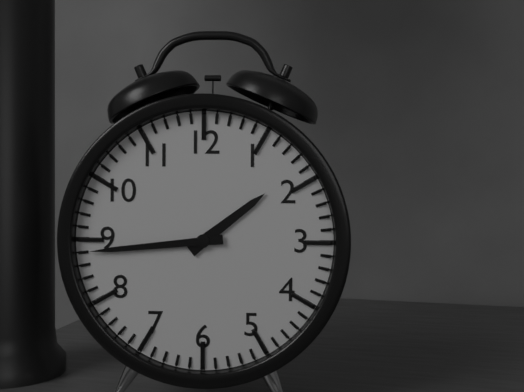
h=1 m=44
